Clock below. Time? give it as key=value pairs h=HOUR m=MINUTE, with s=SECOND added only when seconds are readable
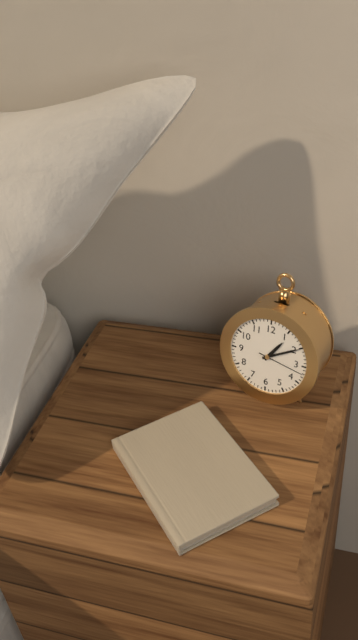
h=1 m=10
